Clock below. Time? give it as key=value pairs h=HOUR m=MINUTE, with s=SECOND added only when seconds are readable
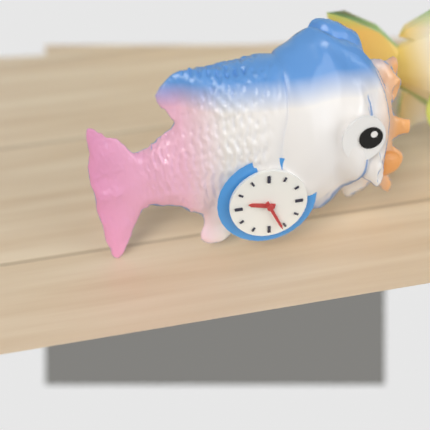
h=9 m=26
